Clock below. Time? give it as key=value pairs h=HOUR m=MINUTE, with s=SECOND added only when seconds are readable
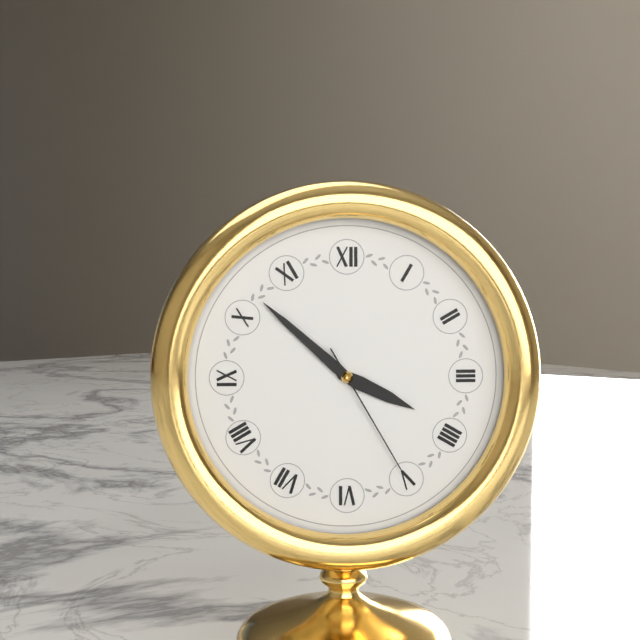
h=3 m=52 s=25
